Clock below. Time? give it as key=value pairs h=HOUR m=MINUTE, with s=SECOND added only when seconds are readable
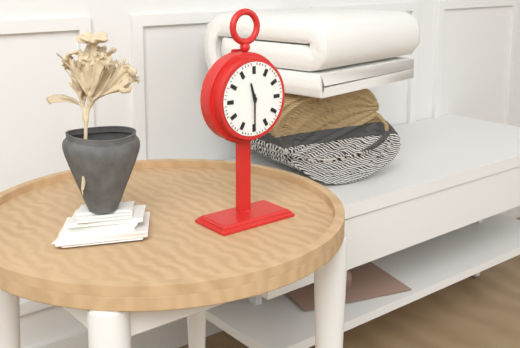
h=11 m=30
